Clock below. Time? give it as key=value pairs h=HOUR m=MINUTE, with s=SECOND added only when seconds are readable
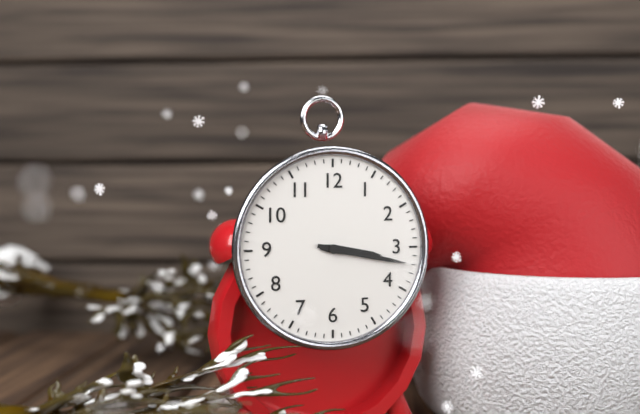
h=3 m=17
